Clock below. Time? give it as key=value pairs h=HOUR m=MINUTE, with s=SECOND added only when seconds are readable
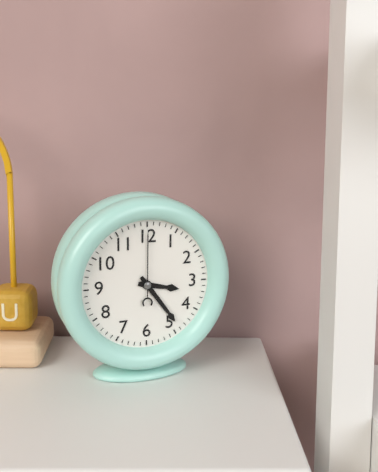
h=3 m=24 s=0
